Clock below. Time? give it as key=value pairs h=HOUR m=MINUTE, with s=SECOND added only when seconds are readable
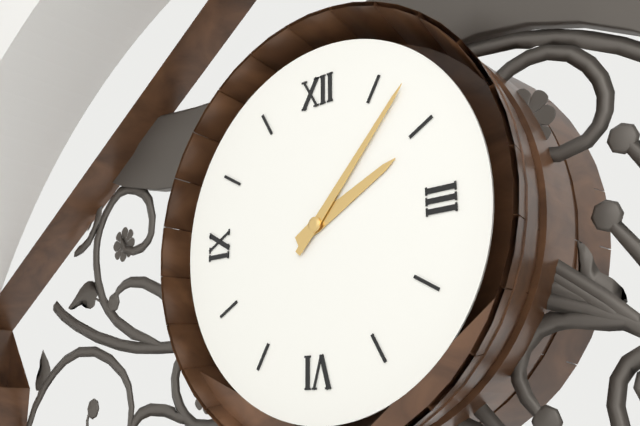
h=2 m=7
